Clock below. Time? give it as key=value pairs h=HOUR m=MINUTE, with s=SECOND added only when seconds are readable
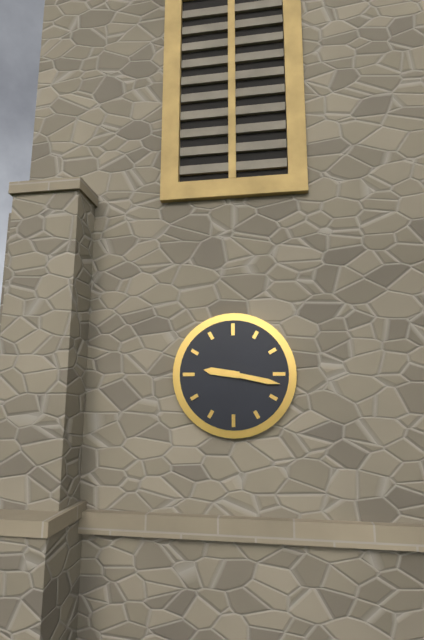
h=9 m=17
